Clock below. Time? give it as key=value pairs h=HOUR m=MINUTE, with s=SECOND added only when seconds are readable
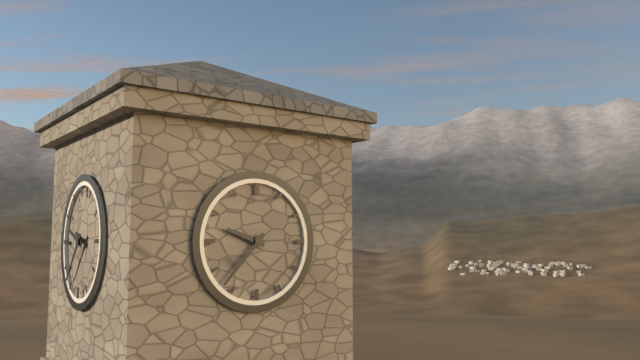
h=9 m=37
